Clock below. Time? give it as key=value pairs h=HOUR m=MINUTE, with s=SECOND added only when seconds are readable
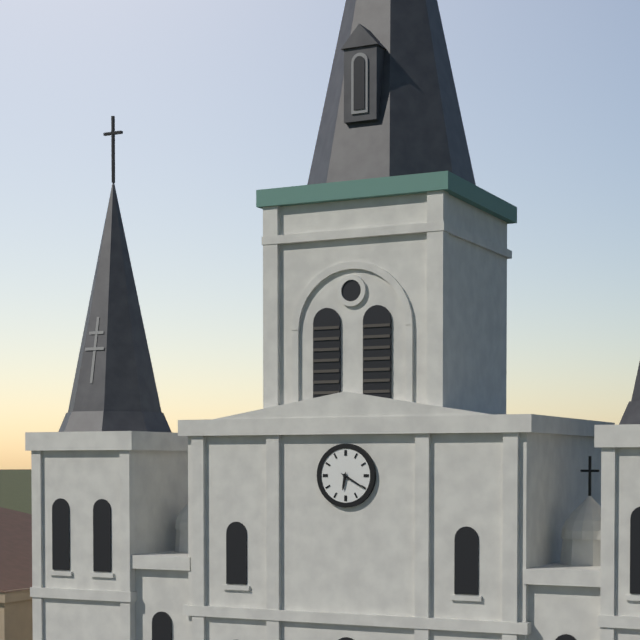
h=6 m=20
